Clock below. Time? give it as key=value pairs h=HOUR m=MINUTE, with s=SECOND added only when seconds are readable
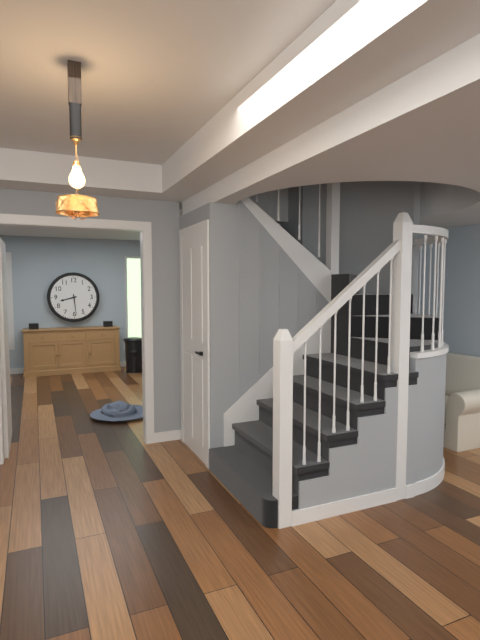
h=8 m=29
